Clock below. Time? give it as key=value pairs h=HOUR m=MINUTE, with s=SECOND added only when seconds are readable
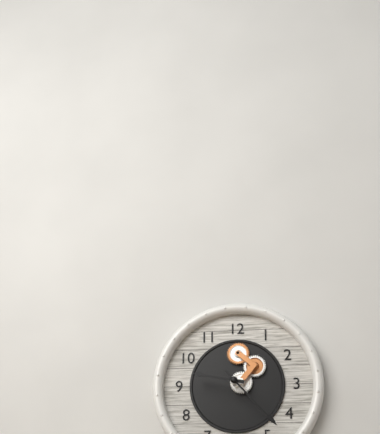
h=9 m=23
